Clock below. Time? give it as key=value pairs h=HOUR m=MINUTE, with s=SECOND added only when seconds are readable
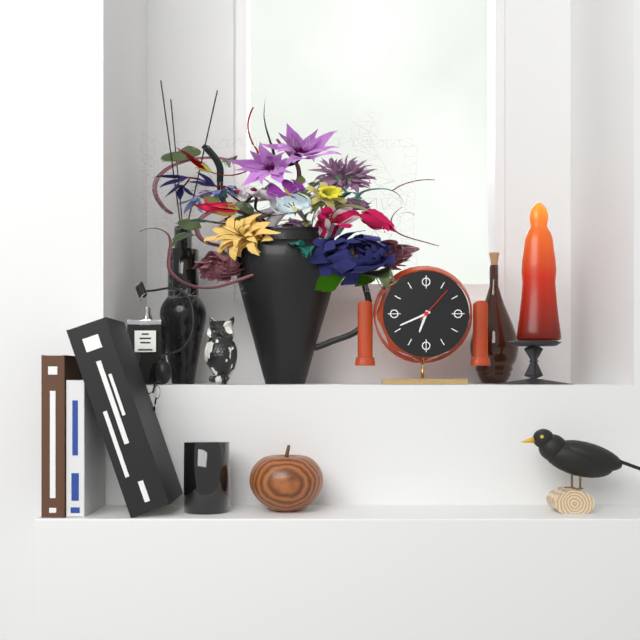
h=6 m=41
